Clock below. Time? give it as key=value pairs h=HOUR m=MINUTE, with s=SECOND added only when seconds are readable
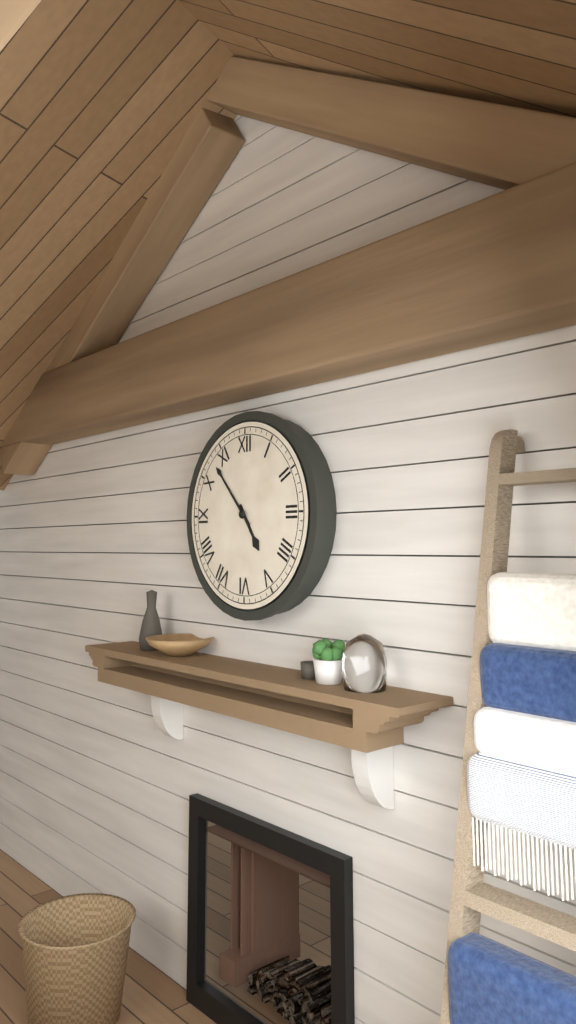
h=4 m=53
